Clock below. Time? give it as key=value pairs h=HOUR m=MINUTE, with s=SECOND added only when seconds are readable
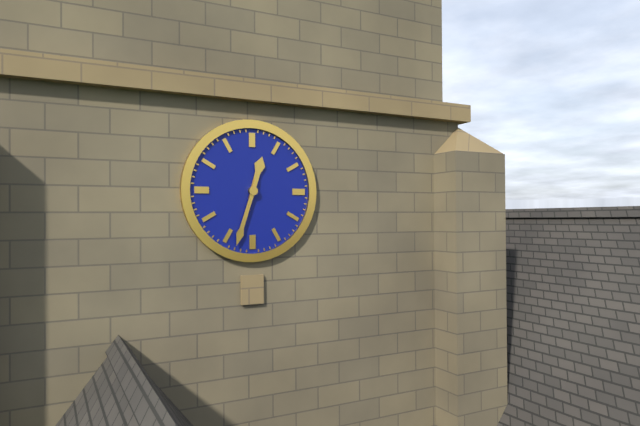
h=12 m=33
